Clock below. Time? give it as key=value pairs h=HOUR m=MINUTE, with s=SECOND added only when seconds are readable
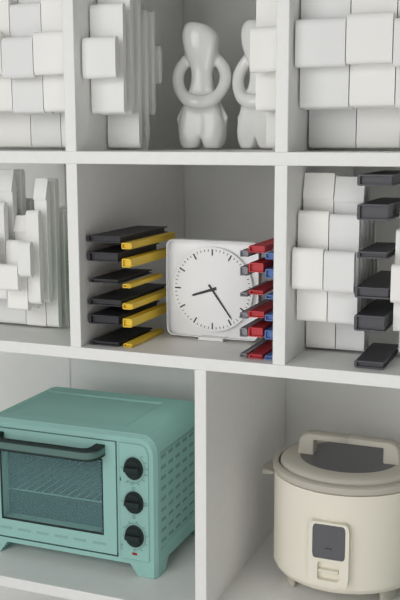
h=8 m=24
